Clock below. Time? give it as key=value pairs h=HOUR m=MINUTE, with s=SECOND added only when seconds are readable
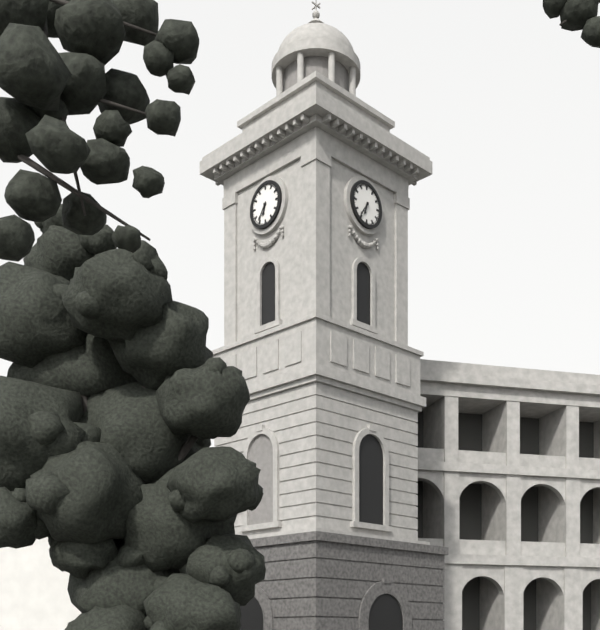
h=6 m=36
